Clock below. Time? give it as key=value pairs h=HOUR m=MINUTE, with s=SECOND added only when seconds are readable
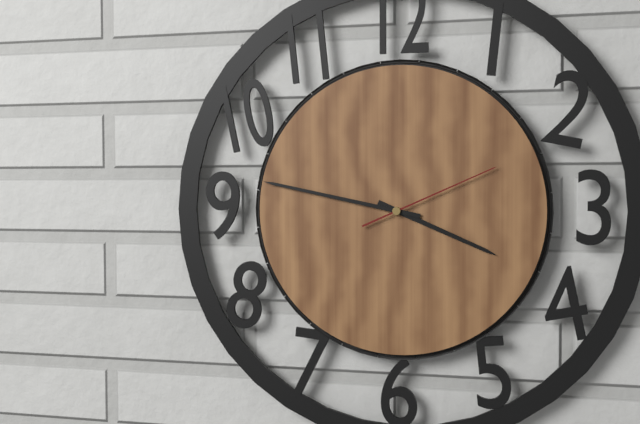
h=3 m=47 s=11
